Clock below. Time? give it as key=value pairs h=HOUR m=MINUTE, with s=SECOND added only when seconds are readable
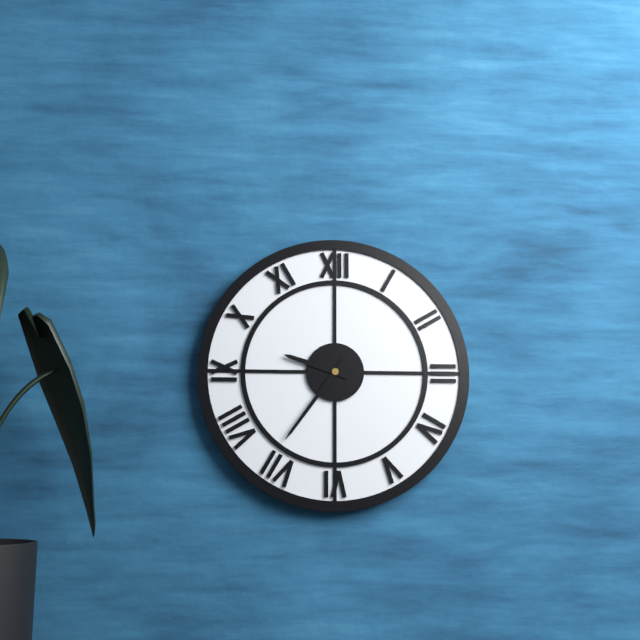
h=9 m=36
